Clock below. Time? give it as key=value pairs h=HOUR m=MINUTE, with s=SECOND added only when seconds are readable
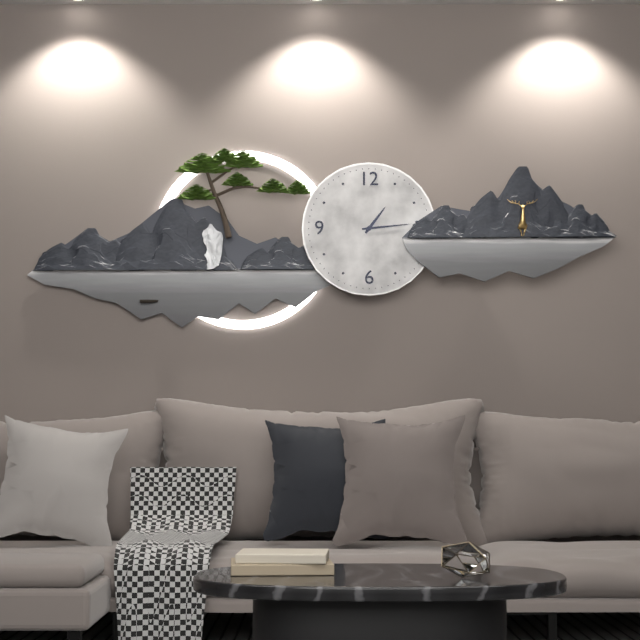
h=1 m=14
